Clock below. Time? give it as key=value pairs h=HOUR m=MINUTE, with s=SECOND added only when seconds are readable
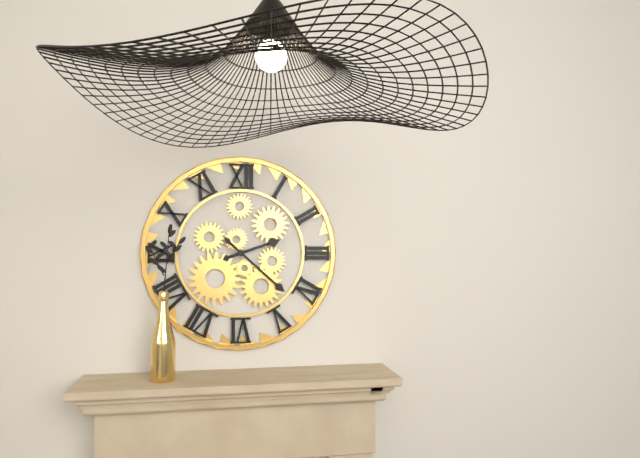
h=2 m=22
